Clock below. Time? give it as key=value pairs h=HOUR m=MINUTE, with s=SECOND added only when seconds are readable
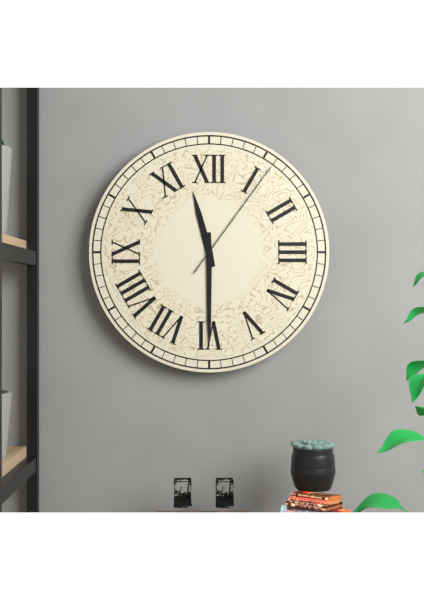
h=11 m=30 s=6
